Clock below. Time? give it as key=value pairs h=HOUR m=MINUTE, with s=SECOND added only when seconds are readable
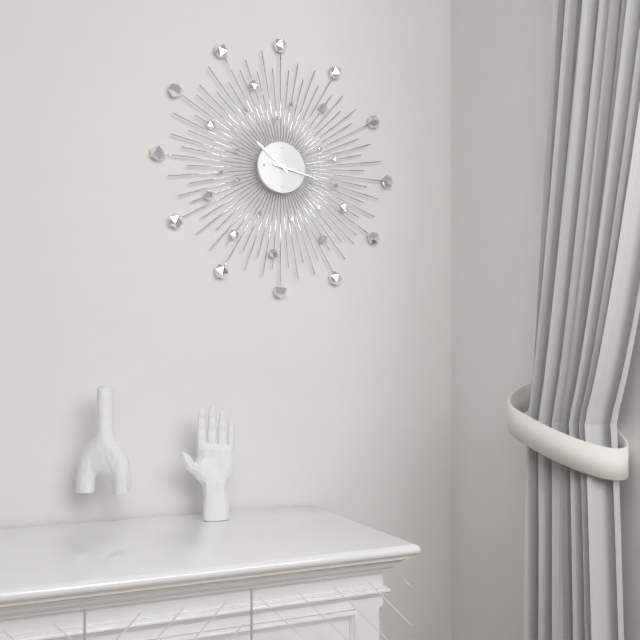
h=10 m=17
